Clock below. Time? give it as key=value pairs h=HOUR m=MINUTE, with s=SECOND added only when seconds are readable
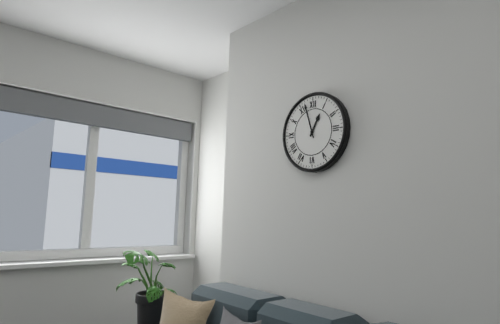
h=12 m=57
